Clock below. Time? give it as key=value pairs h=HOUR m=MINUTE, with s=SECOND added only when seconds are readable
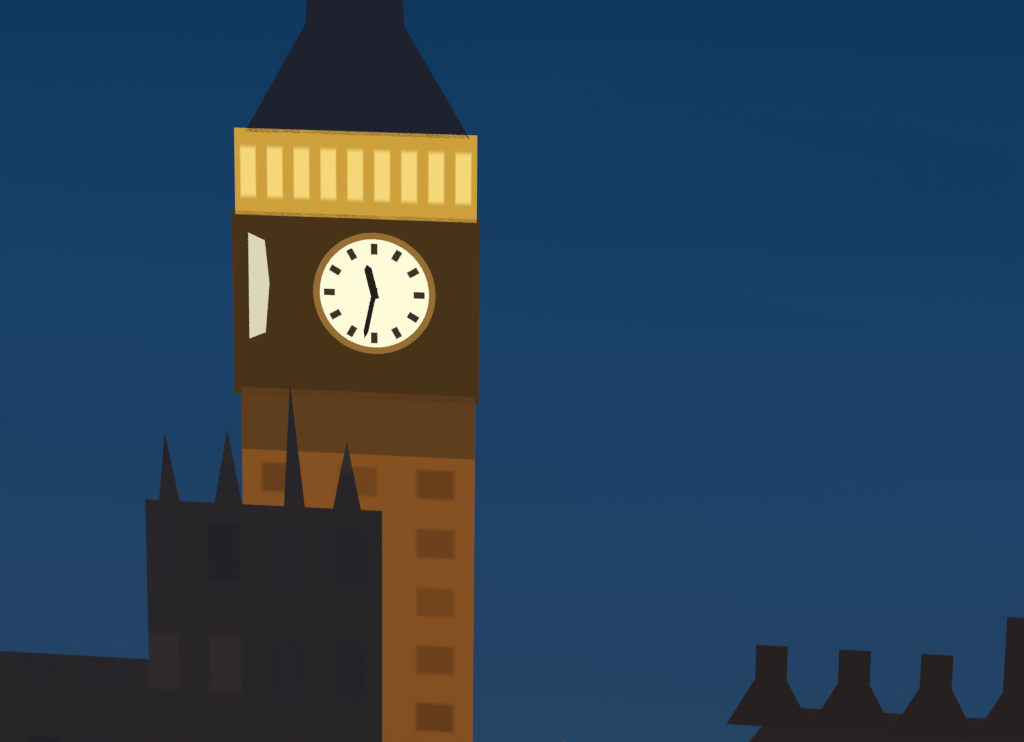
h=11 m=32
